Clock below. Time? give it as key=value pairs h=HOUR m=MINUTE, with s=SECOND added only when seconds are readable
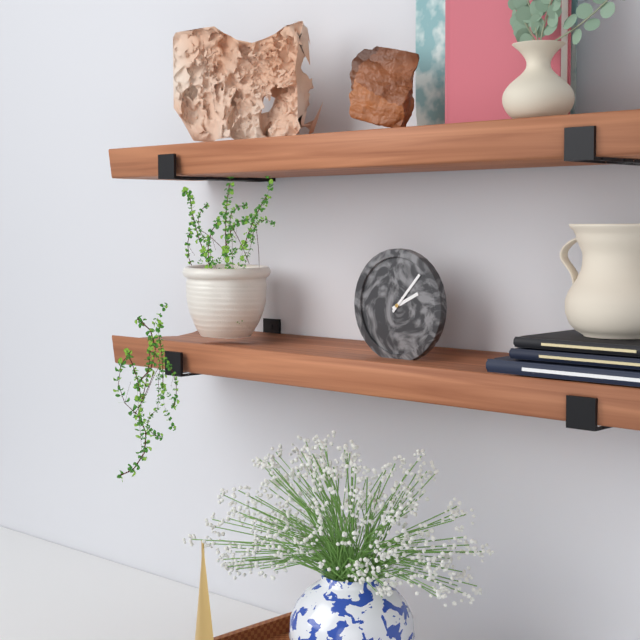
h=2 m=7
